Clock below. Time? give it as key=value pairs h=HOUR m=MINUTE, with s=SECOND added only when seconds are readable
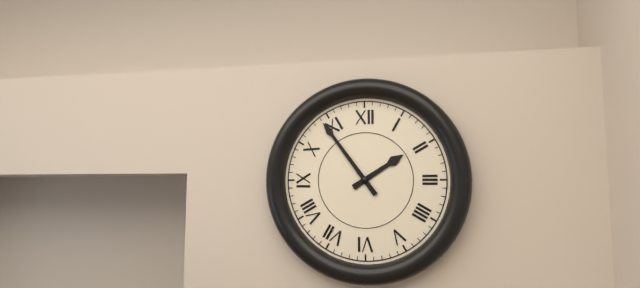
h=1 m=54
